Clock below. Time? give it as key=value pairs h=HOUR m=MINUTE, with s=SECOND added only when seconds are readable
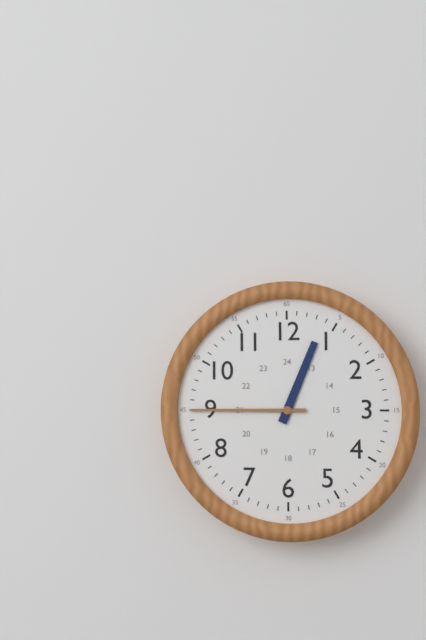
h=12 m=45
